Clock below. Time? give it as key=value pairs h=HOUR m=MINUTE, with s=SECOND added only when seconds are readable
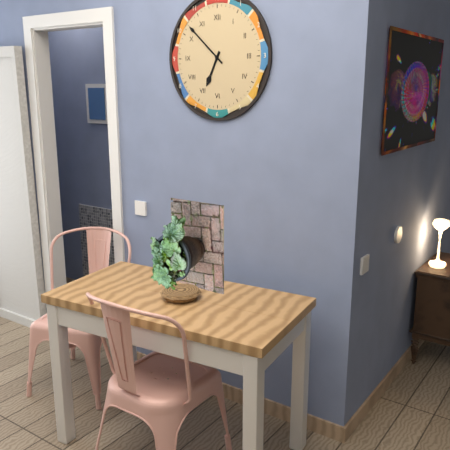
h=6 m=52
